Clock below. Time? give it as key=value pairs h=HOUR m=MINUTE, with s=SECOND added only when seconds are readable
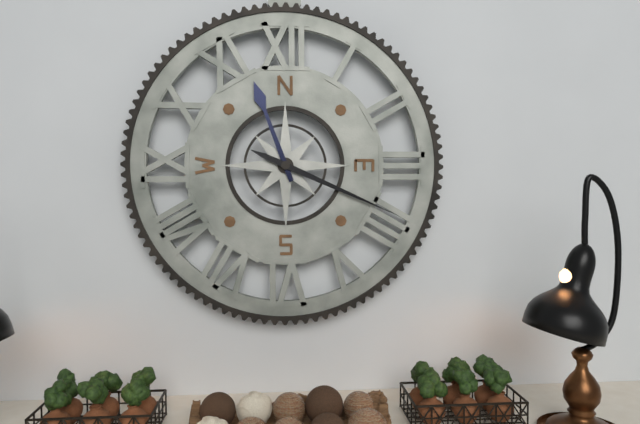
h=11 m=19
